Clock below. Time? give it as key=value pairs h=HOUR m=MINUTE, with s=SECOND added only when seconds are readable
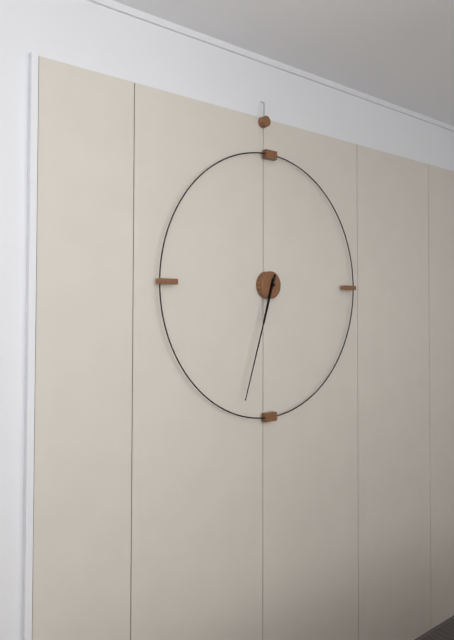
h=6 m=33
